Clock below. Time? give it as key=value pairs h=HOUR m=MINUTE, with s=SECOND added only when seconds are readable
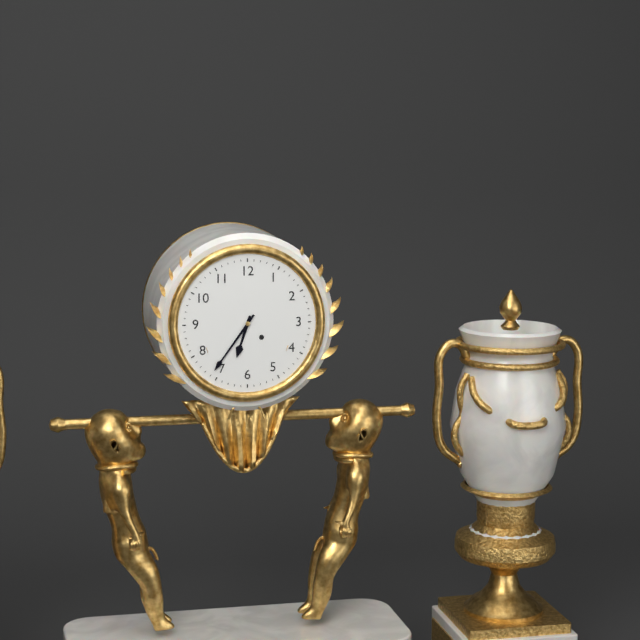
h=6 m=36
